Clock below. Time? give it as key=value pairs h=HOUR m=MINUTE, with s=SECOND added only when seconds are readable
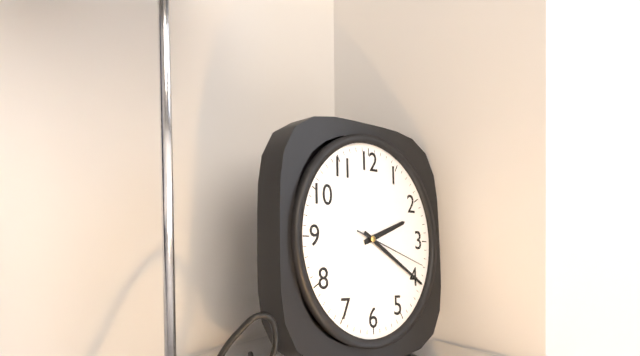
h=2 m=20 s=18
